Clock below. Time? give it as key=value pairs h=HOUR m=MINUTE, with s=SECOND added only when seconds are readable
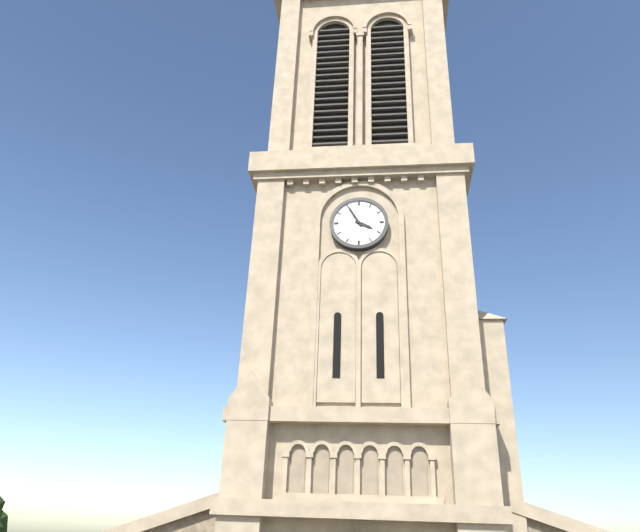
h=3 m=55
